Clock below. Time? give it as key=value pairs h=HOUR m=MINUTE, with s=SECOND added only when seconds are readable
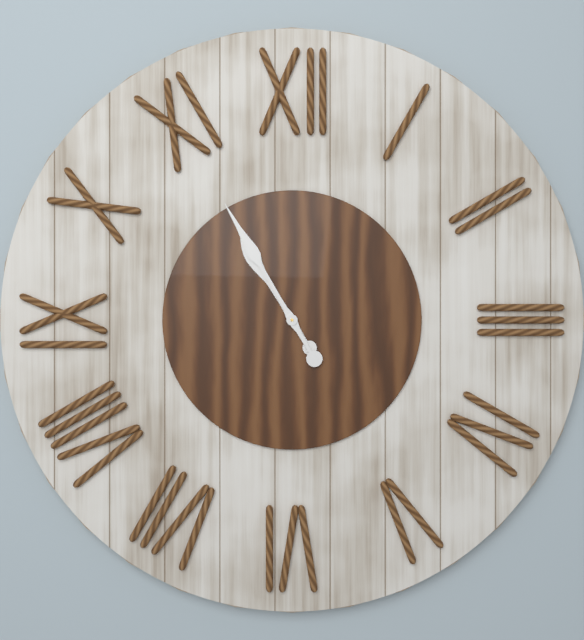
h=10 m=55
